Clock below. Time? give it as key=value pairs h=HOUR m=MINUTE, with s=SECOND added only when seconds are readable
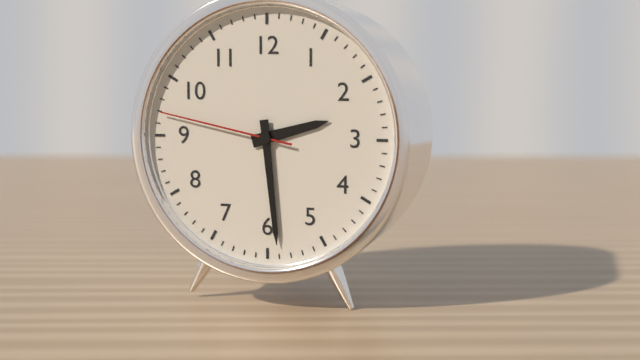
h=2 m=29 s=47
